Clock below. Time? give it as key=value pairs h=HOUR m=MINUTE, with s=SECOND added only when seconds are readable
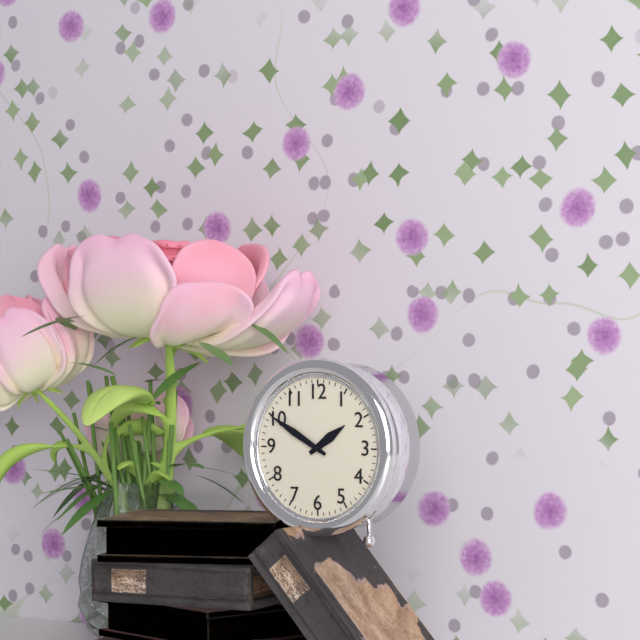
h=1 m=50
